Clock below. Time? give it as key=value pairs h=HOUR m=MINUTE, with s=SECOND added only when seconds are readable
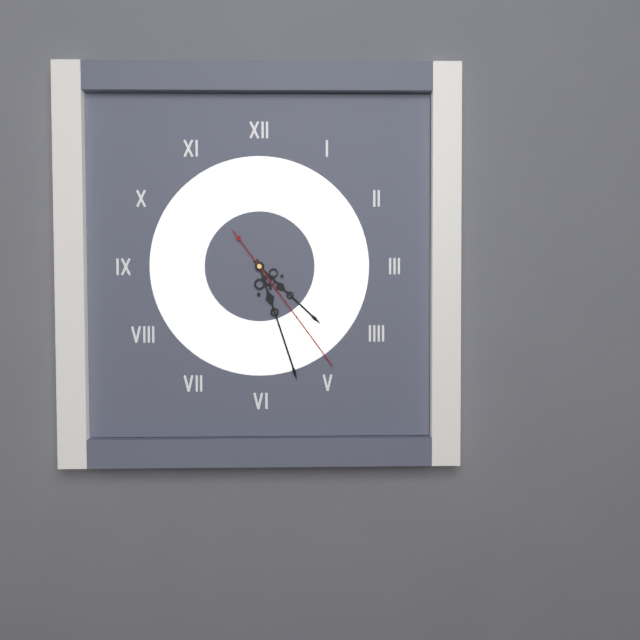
h=4 m=27 s=24
